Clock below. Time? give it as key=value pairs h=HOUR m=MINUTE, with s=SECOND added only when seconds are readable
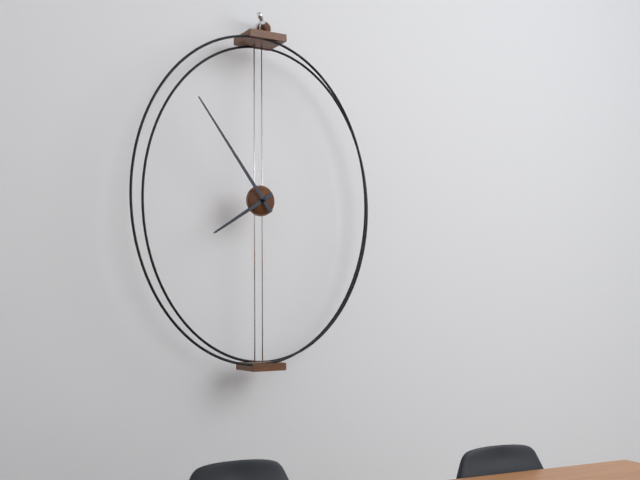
h=7 m=54
